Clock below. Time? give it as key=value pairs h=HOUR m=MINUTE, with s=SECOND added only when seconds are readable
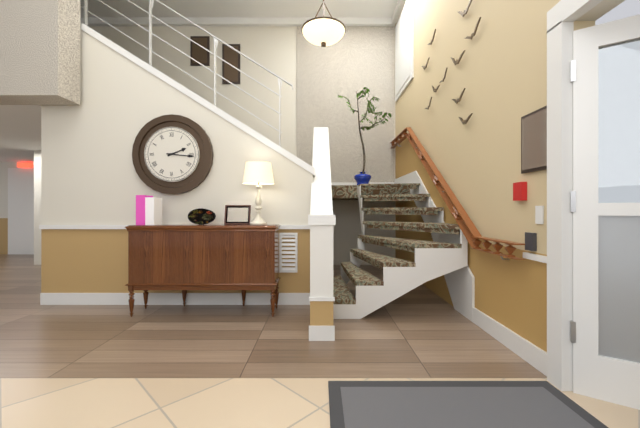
h=2 m=16
